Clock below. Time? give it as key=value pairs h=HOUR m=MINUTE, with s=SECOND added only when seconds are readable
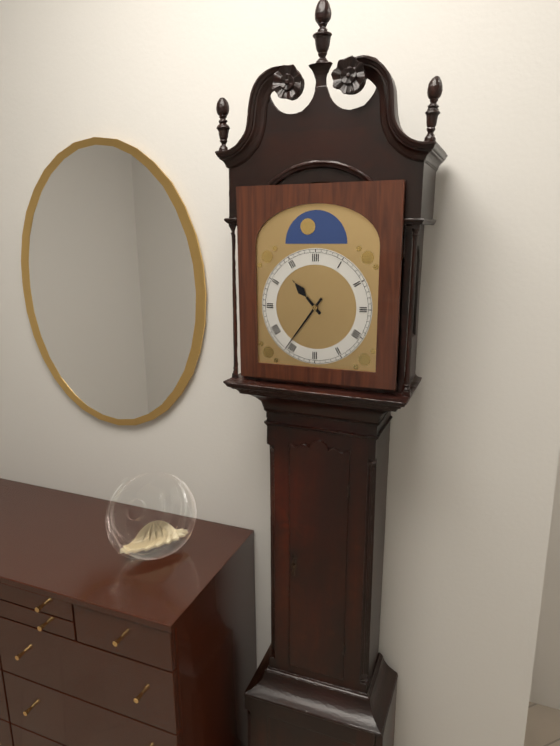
h=10 m=36
